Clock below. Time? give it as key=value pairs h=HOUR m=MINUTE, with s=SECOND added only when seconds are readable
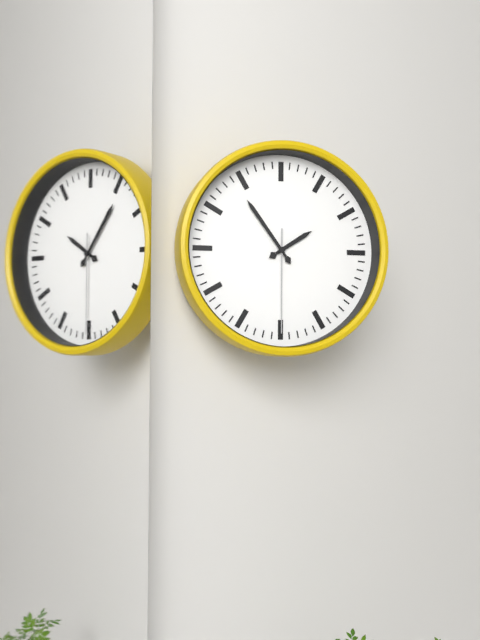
h=1 m=54 s=30
